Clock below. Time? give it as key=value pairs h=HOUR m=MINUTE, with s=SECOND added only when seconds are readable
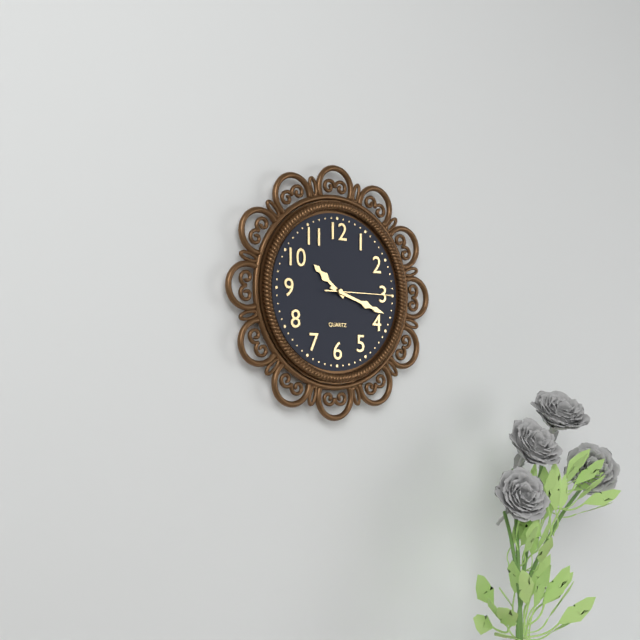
h=10 m=18 s=15
